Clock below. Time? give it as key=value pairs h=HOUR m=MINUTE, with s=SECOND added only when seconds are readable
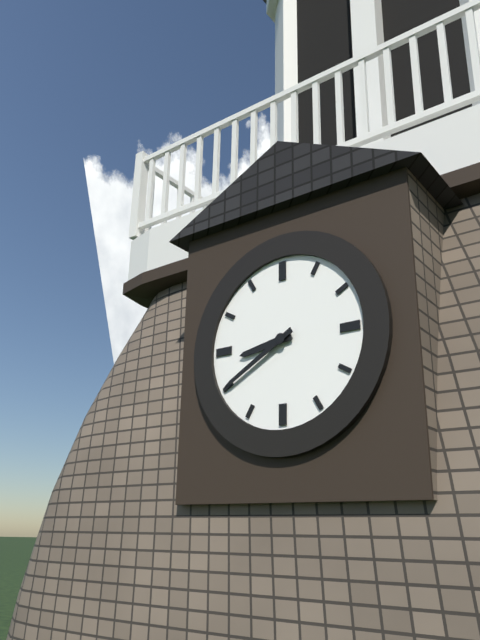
h=8 m=40
